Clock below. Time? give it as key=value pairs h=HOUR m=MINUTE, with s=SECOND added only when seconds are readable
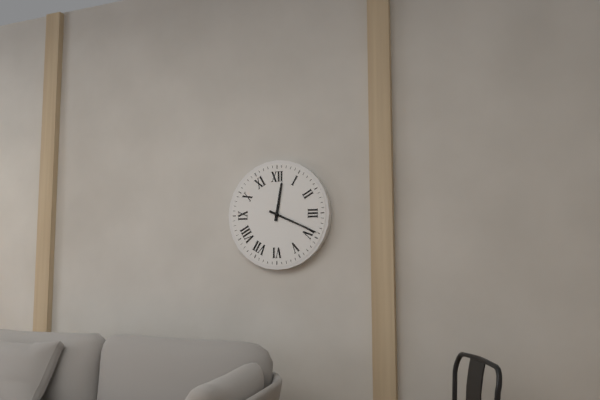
h=12 m=19
